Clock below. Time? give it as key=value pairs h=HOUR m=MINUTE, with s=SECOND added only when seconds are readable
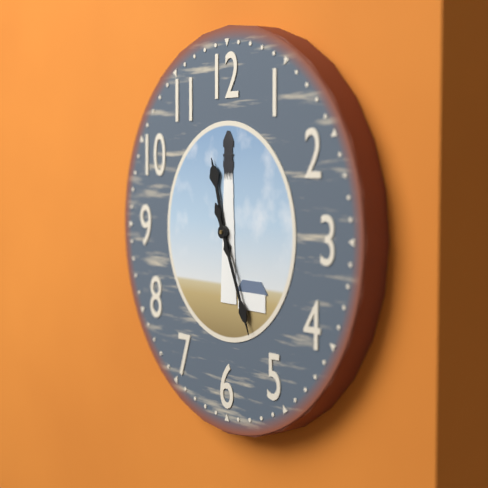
h=11 m=26
